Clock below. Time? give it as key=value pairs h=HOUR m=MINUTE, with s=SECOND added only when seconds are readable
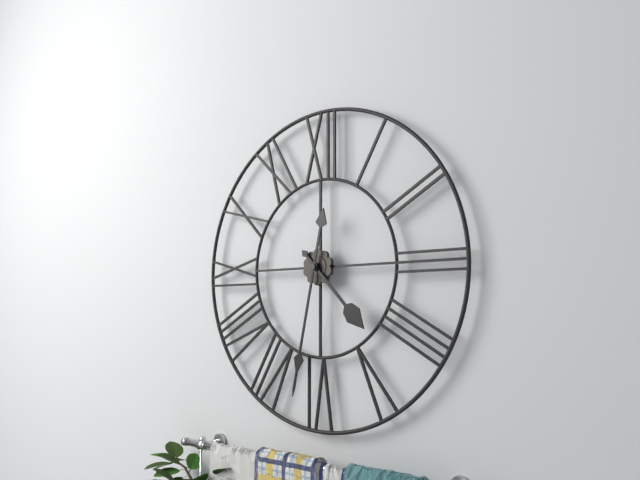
h=4 m=32
